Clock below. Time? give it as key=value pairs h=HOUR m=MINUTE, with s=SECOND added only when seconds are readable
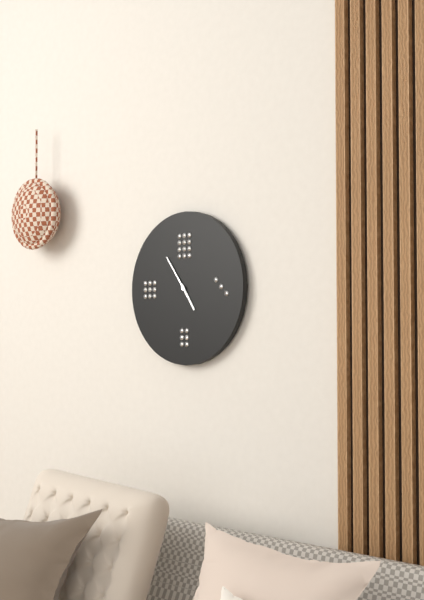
h=4 m=54
